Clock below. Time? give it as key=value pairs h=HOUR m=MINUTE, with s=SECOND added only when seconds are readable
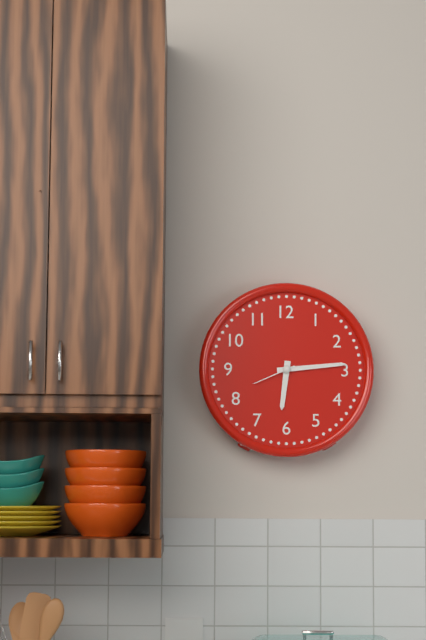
h=6 m=14
